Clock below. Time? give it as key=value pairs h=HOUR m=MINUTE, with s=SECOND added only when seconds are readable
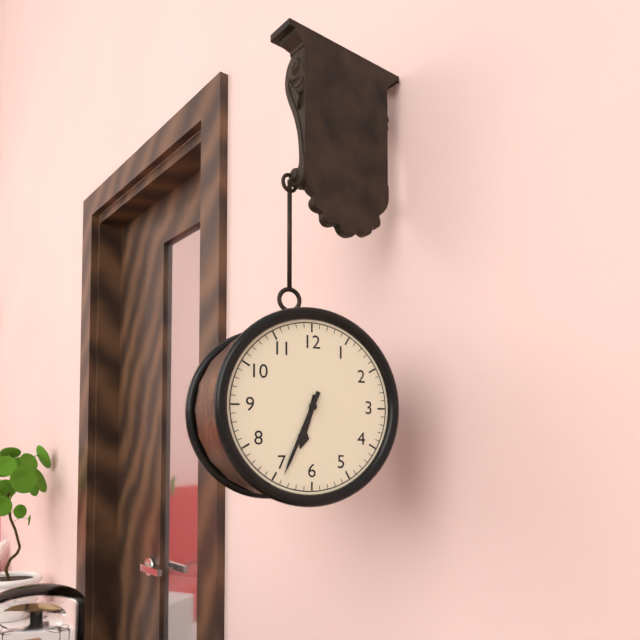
h=6 m=34
